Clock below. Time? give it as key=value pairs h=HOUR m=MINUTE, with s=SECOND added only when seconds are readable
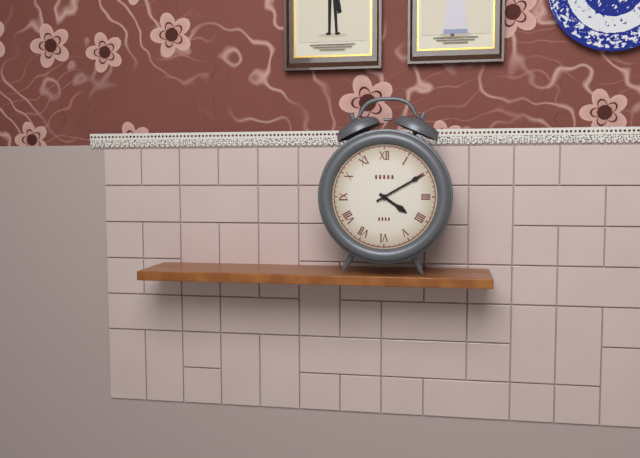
h=4 m=10
